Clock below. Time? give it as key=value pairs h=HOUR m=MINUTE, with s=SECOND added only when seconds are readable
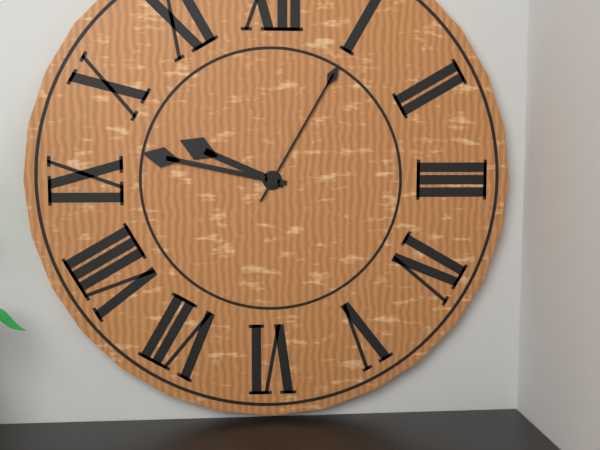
h=9 m=47 s=5
